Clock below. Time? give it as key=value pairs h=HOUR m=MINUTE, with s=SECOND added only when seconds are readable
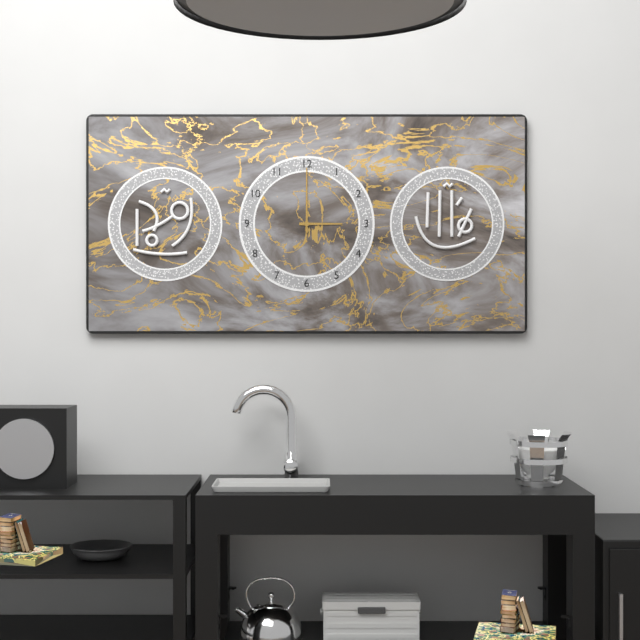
h=3 m=0
